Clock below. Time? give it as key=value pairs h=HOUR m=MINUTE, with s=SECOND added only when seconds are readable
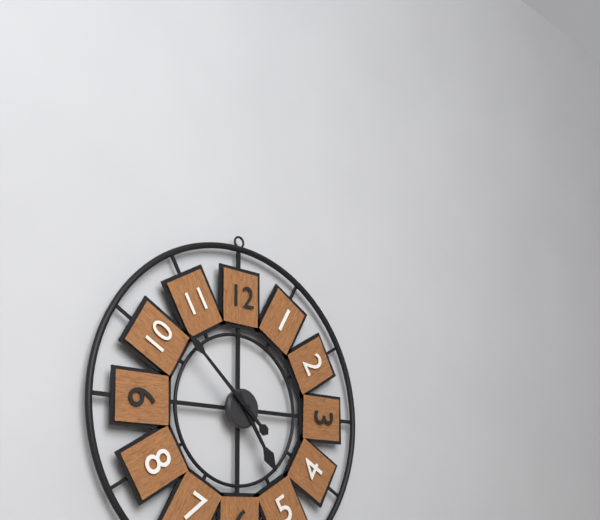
h=4 m=52
